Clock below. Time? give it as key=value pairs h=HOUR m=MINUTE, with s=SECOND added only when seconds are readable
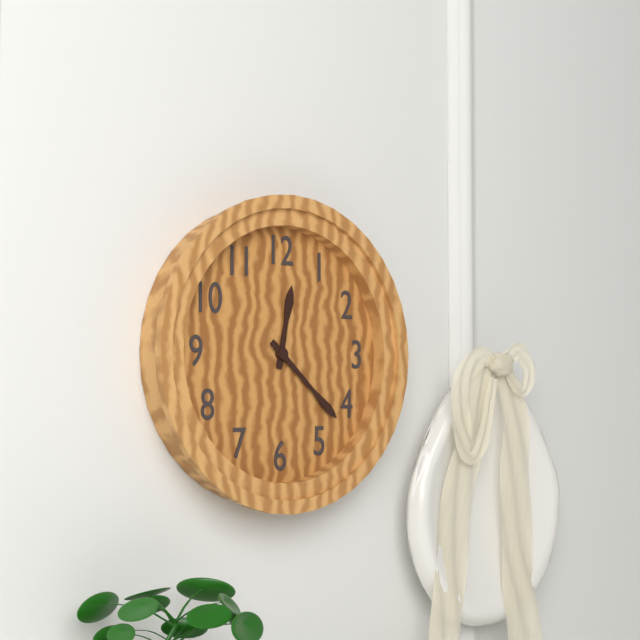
h=12 m=22
